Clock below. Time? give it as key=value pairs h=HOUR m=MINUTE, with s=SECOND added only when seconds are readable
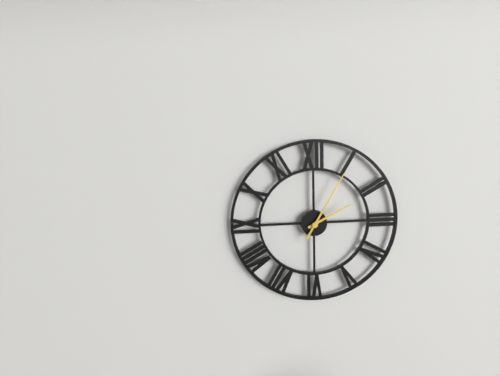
h=2 m=5
